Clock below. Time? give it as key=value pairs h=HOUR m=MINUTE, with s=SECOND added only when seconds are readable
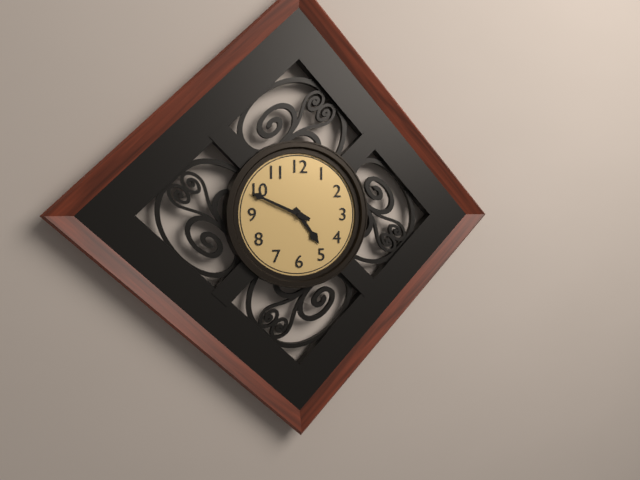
h=4 m=49
